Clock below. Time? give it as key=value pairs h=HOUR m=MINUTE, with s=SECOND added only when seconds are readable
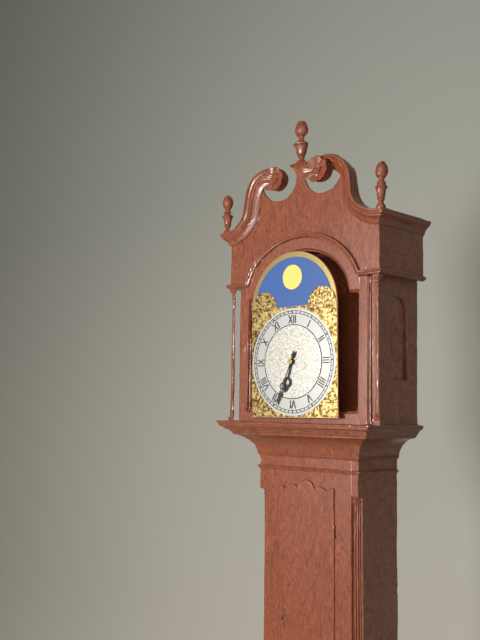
h=6 m=34
